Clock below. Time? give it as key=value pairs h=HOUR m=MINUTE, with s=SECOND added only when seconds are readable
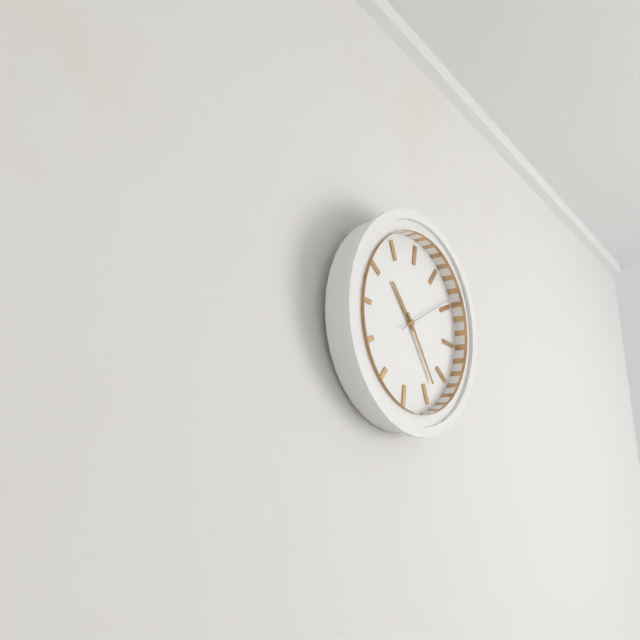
h=10 m=23 s=9
